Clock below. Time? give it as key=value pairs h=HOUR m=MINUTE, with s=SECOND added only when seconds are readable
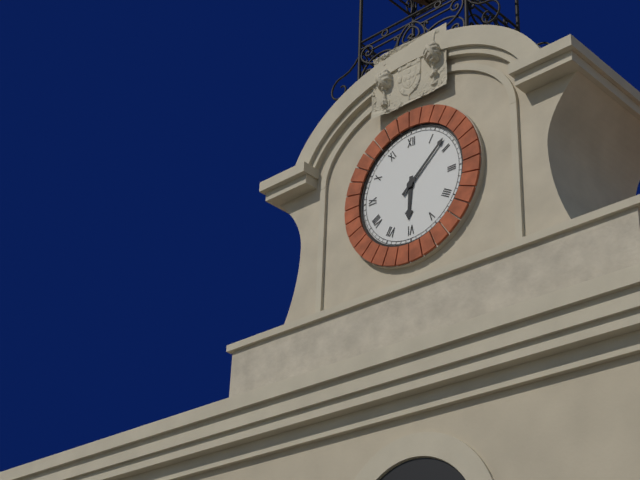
h=6 m=8
